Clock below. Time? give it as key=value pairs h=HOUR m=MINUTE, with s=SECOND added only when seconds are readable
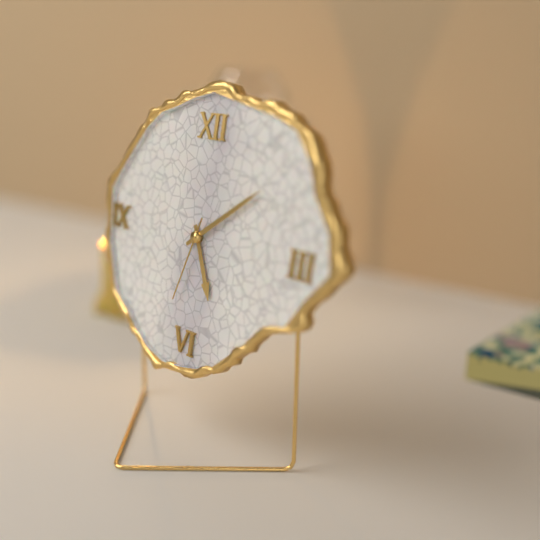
h=5 m=9 s=33
